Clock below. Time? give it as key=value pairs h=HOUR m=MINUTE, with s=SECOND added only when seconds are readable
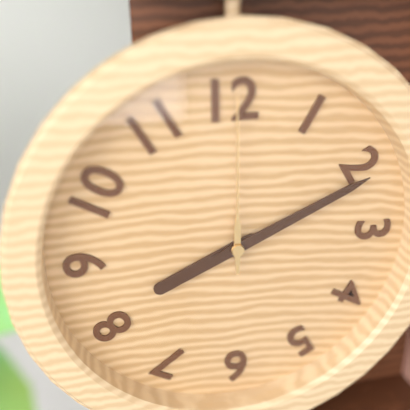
h=8 m=11 s=0
